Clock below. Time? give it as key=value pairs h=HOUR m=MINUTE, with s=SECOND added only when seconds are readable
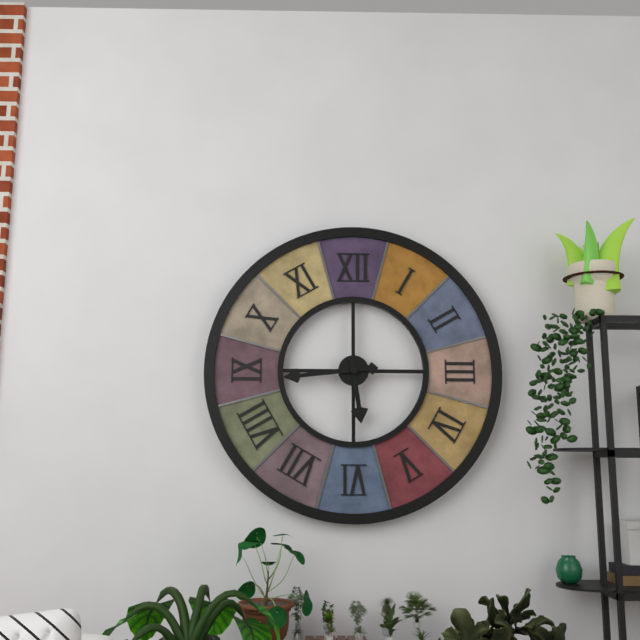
h=5 m=44
